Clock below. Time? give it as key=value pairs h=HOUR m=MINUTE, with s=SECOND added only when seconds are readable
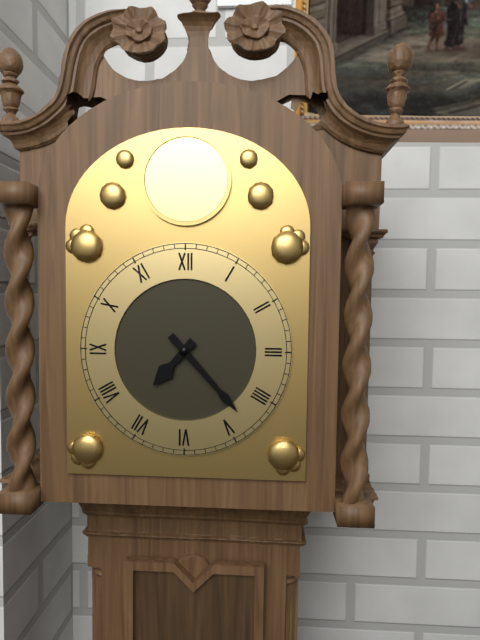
h=7 m=23
